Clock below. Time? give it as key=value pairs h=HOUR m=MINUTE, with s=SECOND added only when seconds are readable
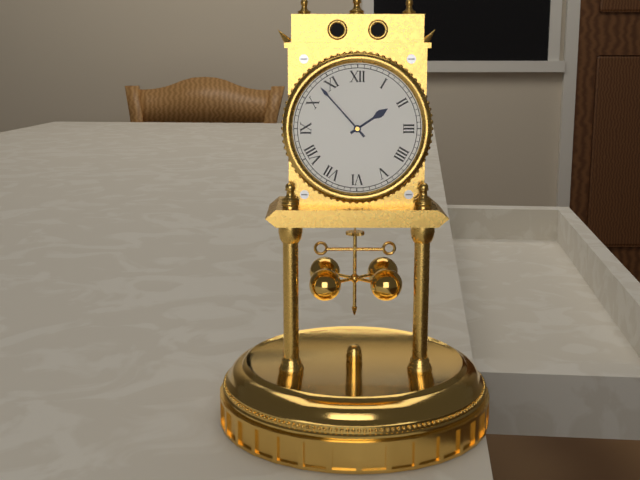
h=1 m=53
